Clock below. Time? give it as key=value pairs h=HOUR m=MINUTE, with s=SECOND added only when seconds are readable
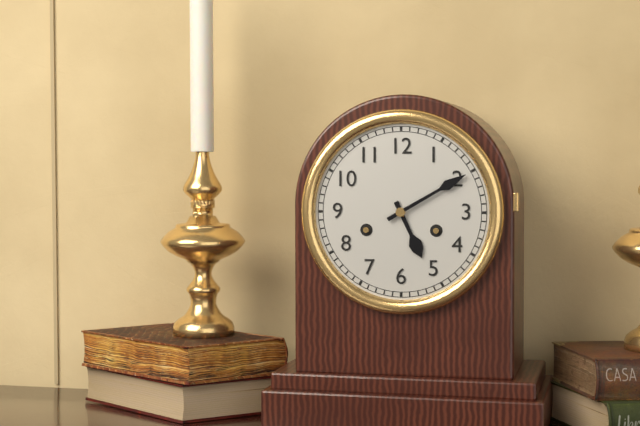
h=5 m=10
